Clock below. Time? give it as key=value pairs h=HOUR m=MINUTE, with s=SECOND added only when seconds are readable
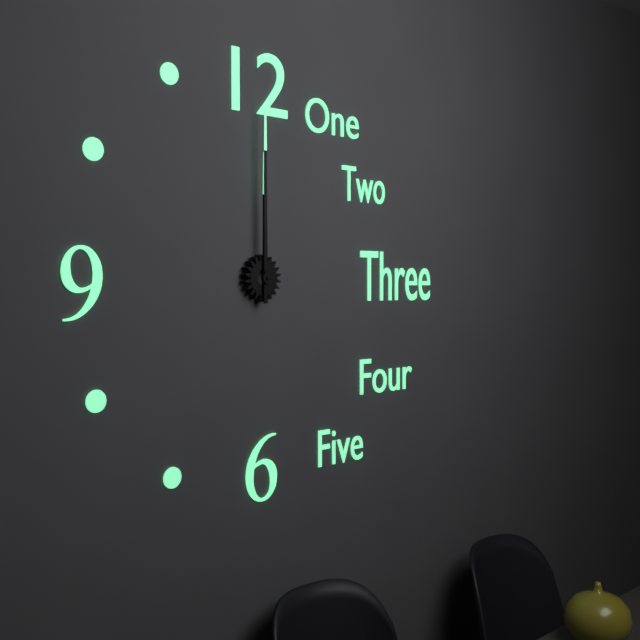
h=12 m=0
